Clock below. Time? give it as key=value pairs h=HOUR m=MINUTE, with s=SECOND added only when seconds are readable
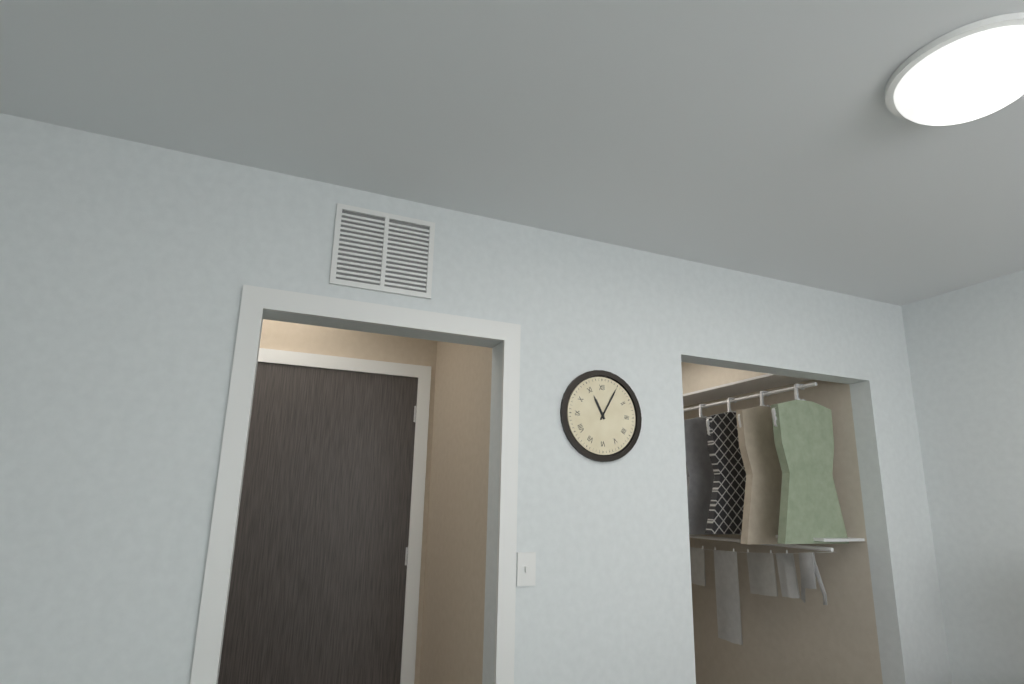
h=11 m=5
